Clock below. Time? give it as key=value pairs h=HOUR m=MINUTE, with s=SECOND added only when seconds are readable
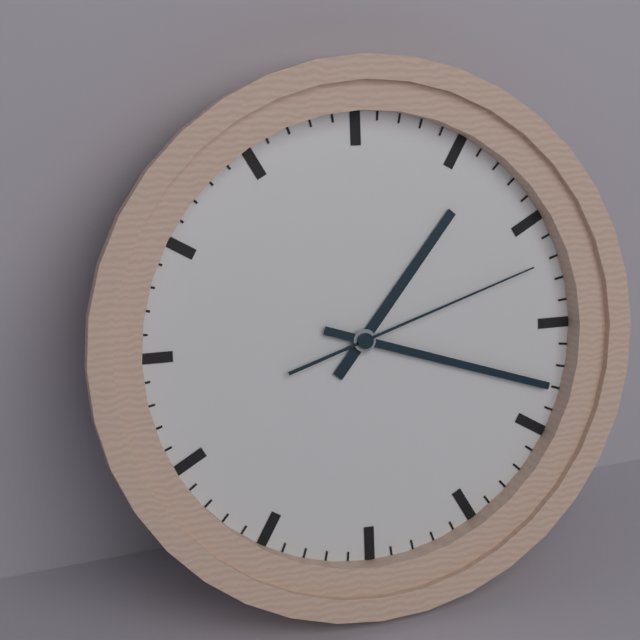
h=1 m=18 s=12
